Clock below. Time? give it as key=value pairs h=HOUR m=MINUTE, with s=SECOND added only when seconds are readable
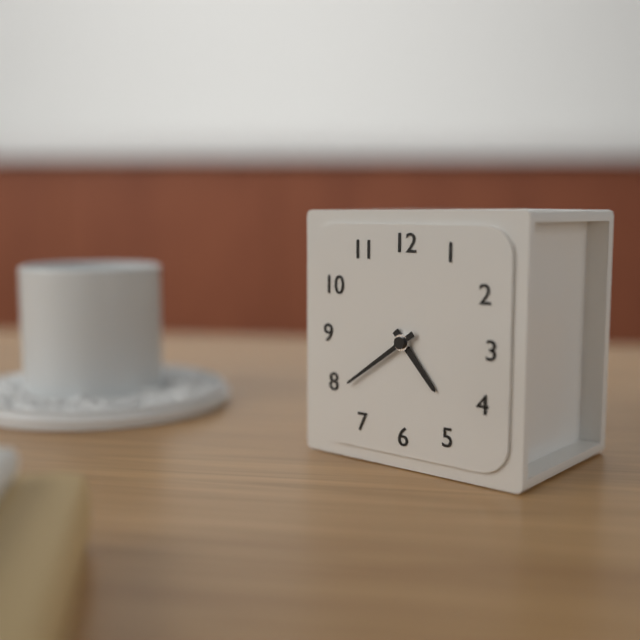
h=4 m=39
